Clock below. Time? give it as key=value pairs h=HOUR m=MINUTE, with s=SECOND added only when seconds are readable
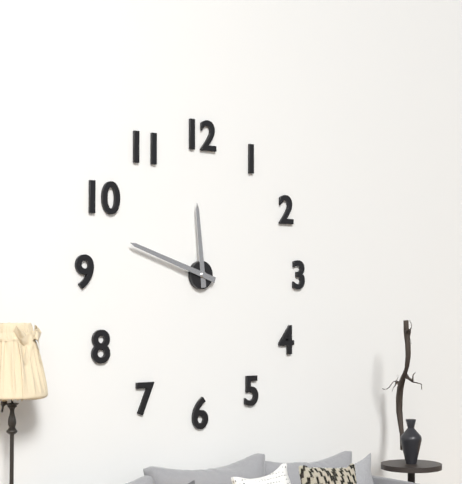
h=11 m=48
